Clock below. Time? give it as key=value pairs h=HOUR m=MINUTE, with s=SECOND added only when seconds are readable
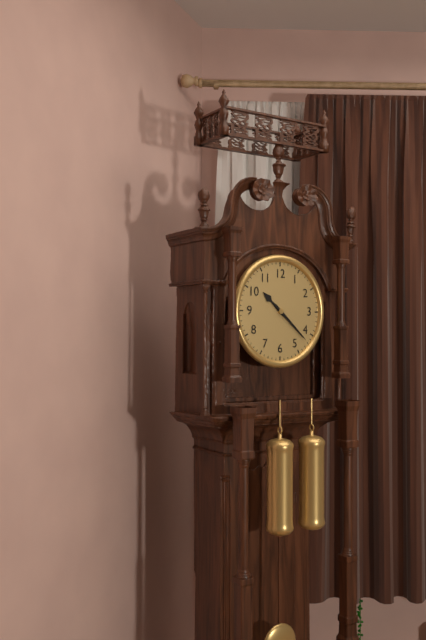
h=10 m=22
